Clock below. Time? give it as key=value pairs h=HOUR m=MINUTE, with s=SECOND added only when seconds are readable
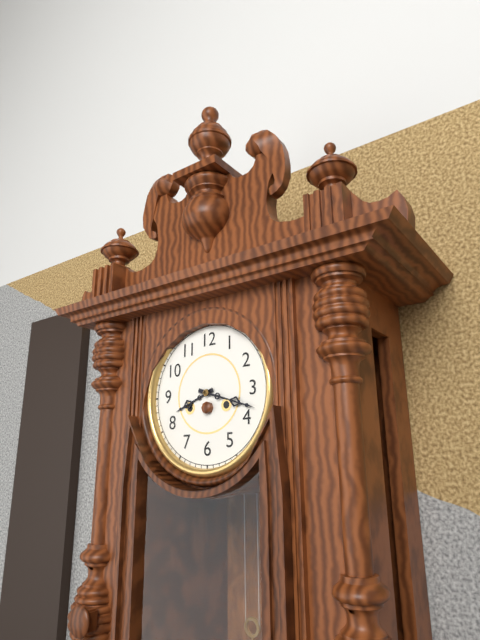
h=8 m=18
